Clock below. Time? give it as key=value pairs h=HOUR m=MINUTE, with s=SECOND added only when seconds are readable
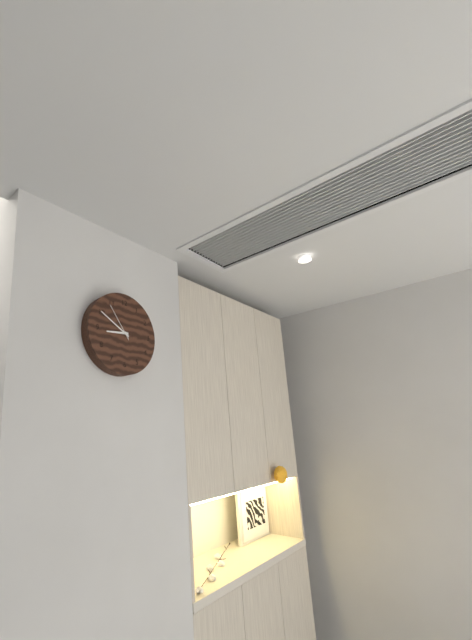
h=8 m=50
